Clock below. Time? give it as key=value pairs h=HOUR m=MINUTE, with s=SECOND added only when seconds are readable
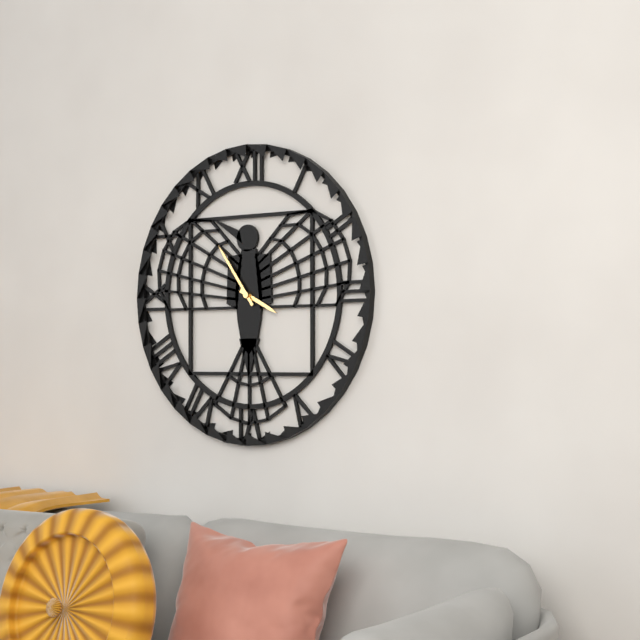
h=3 m=54
